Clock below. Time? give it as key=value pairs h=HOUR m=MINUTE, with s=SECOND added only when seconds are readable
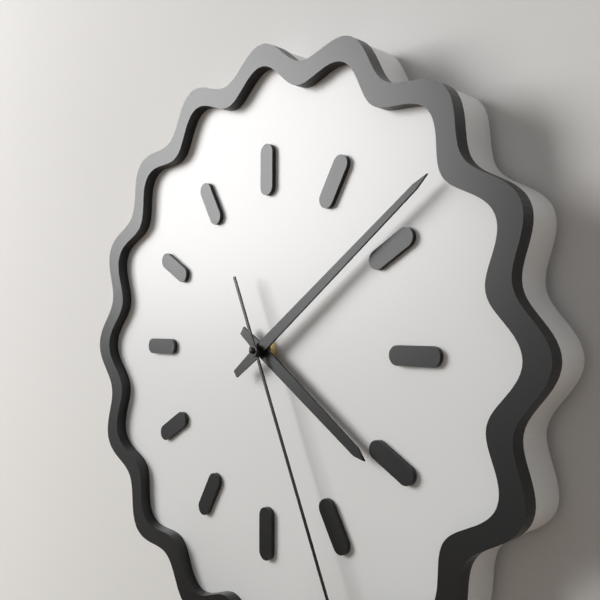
h=4 m=9
